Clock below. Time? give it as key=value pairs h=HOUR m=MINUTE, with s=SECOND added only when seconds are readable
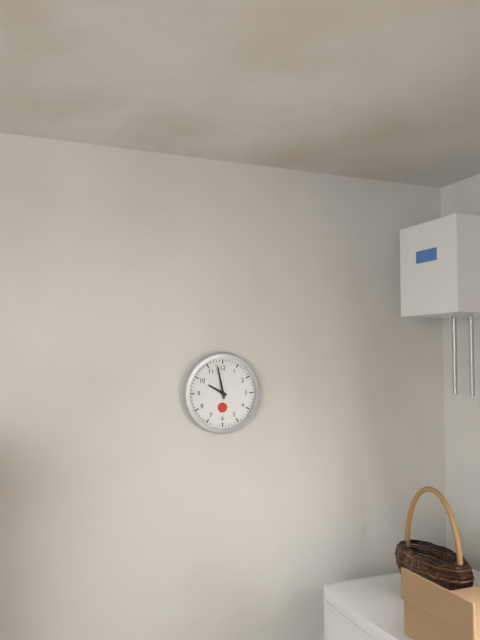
h=9 m=58
